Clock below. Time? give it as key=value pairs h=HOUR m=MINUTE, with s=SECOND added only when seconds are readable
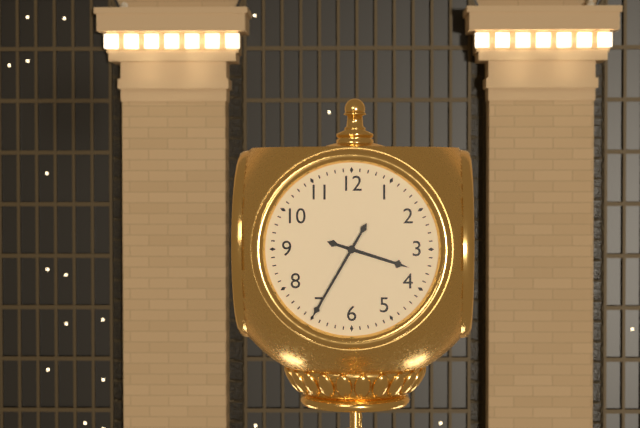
h=3 m=35
